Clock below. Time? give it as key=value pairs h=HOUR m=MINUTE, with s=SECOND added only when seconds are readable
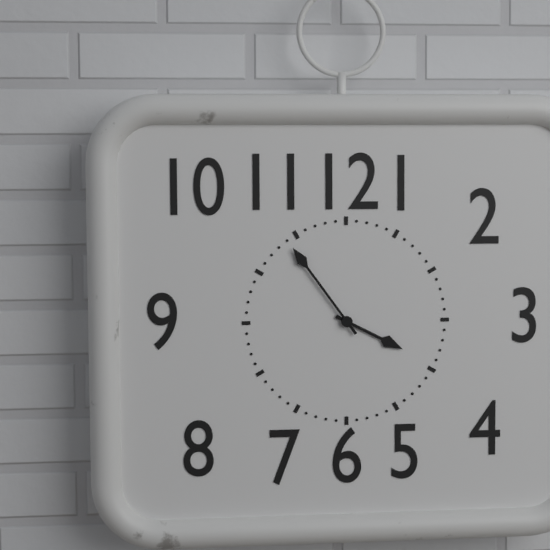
h=3 m=54
